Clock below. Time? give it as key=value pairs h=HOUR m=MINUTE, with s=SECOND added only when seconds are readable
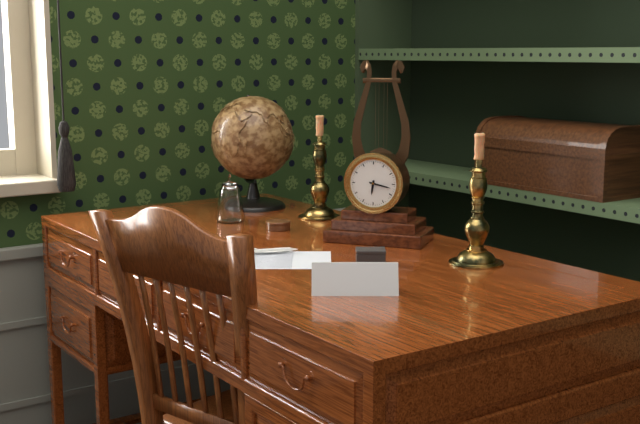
h=6 m=17
